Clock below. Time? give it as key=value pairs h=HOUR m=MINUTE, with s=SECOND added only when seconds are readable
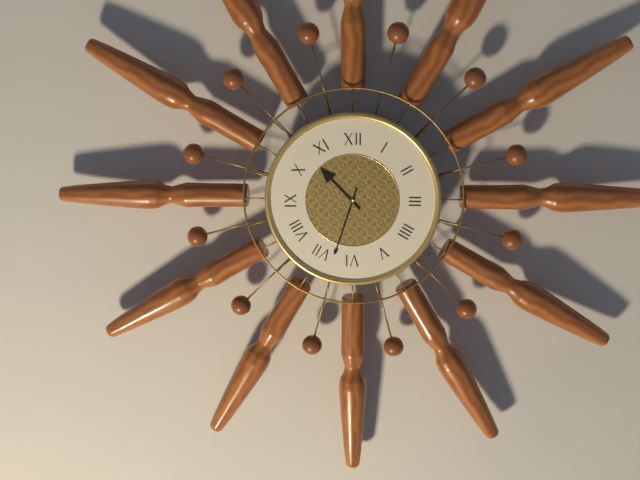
h=10 m=33
